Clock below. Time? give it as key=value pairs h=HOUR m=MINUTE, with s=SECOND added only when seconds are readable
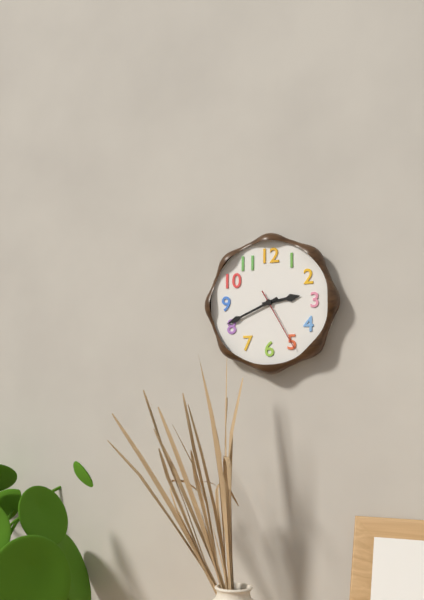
h=2 m=41 s=25
